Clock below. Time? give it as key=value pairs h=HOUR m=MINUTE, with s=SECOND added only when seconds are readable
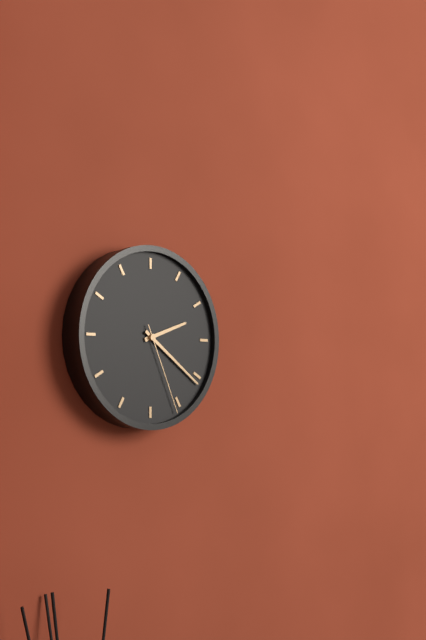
h=2 m=21 s=26
